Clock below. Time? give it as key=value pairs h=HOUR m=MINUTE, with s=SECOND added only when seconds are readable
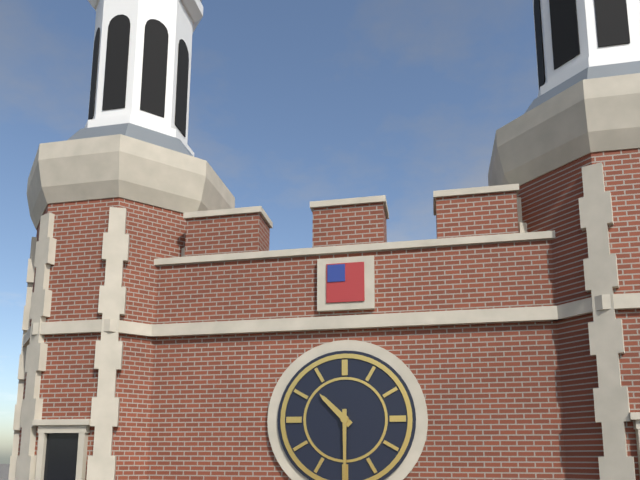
h=10 m=30
